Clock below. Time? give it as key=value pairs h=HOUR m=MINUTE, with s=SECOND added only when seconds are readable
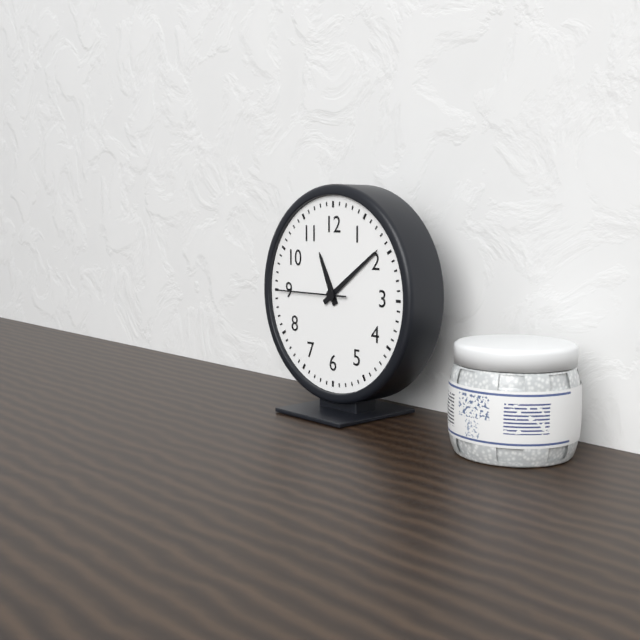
h=11 m=9 s=45
